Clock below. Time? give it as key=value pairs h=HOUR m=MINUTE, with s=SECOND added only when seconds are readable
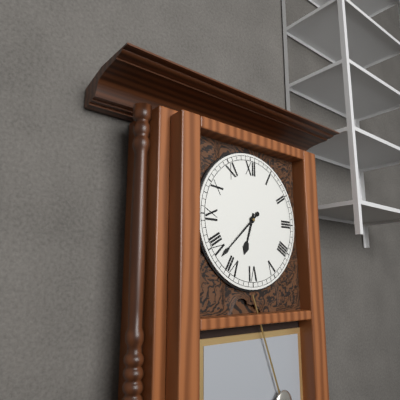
h=6 m=38
